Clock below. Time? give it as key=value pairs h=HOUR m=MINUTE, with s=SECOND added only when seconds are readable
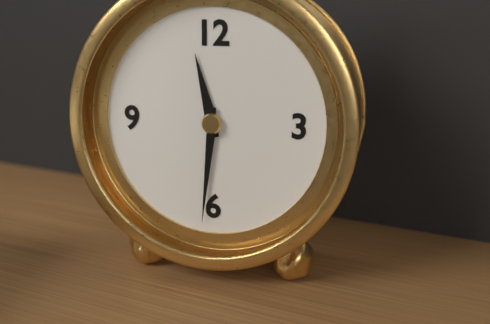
h=11 m=31
